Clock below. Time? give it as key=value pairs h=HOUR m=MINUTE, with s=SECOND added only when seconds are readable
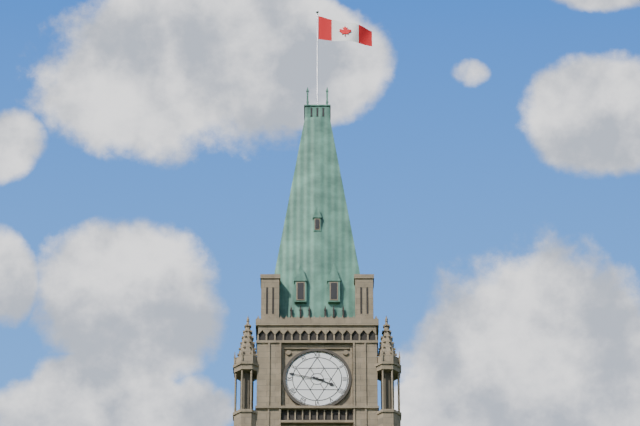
h=3 m=47
